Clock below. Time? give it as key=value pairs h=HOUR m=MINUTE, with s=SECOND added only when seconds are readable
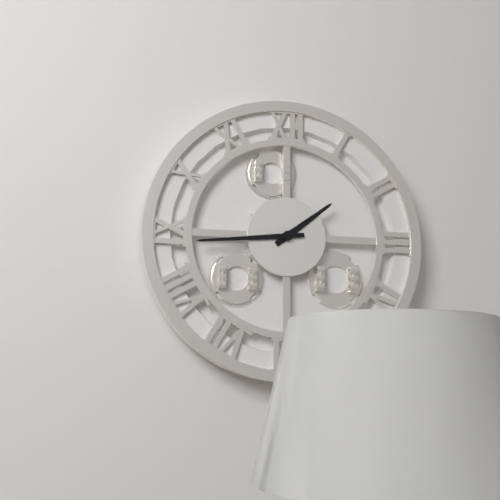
h=1 m=44
